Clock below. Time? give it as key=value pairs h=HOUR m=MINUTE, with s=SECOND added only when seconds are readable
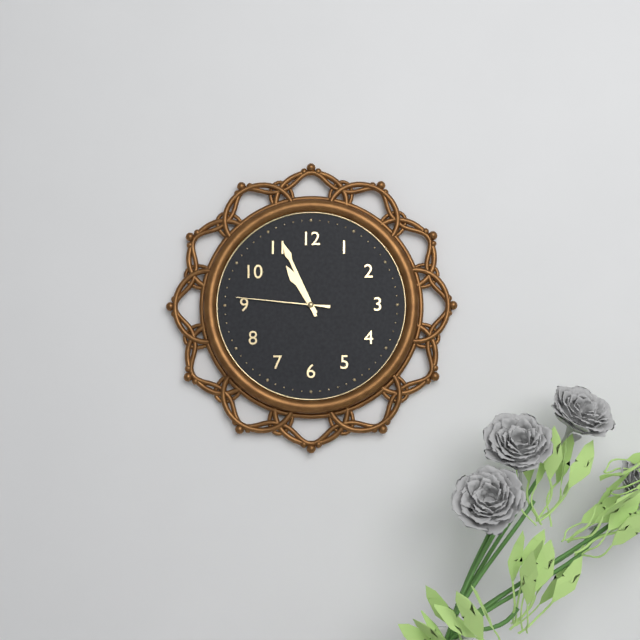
h=10 m=56 s=46
